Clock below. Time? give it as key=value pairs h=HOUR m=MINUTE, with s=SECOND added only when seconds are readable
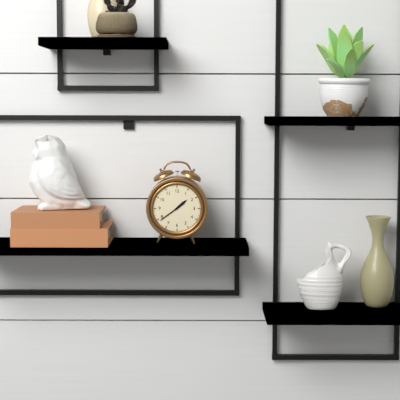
h=1 m=39
